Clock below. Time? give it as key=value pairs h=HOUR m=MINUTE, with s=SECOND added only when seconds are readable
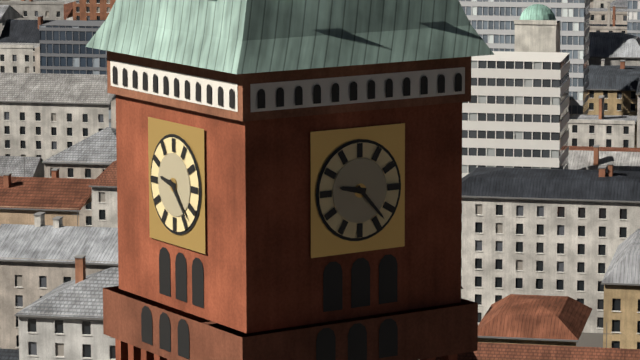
h=9 m=23
